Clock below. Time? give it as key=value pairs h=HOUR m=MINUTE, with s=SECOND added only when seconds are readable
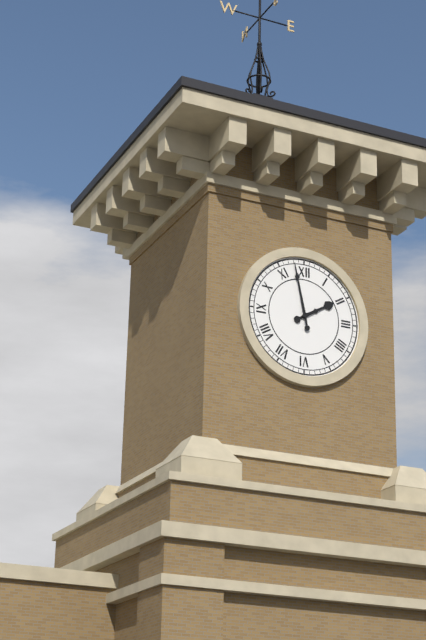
h=1 m=58
